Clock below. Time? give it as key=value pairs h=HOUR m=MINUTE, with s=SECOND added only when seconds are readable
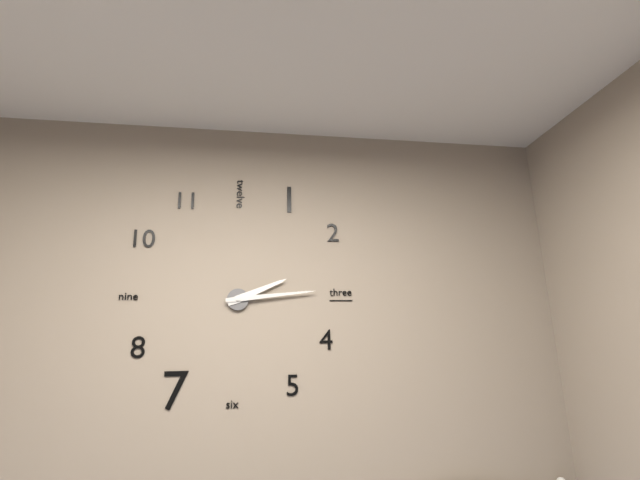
h=2 m=14
